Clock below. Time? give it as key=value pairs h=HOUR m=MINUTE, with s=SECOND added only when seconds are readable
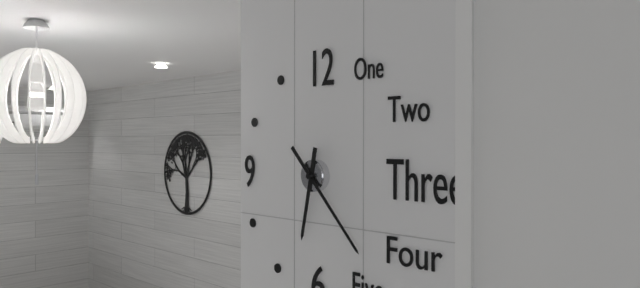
h=6 m=23
